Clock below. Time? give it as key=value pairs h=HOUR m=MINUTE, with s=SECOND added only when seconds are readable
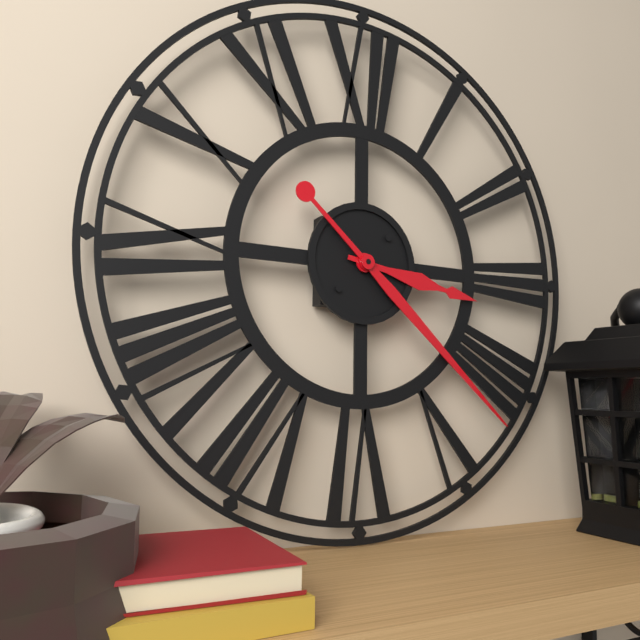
h=3 m=22
